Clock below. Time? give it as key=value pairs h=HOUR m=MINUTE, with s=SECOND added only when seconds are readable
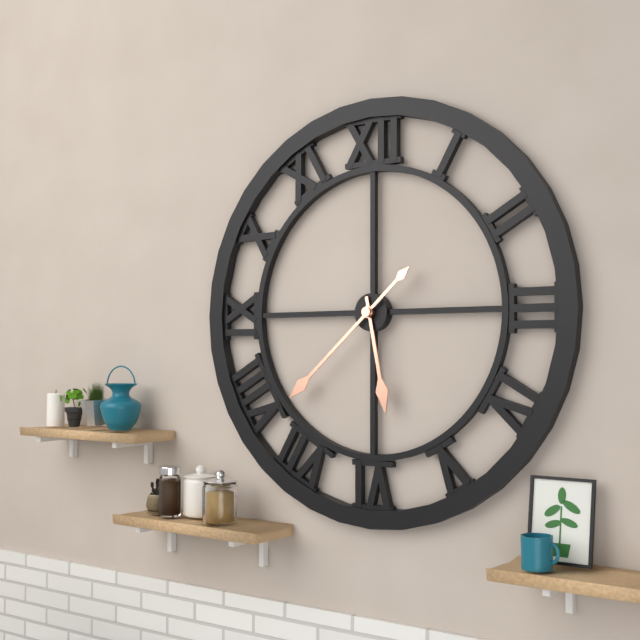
h=5 m=38
